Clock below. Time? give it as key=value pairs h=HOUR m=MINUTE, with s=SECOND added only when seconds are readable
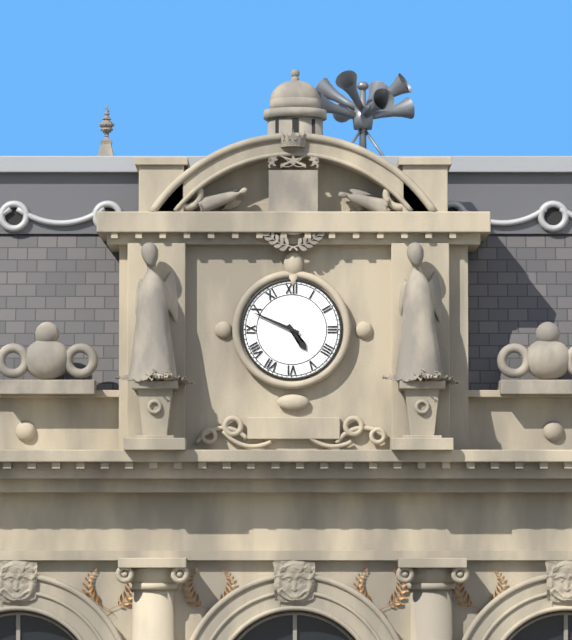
h=4 m=49
